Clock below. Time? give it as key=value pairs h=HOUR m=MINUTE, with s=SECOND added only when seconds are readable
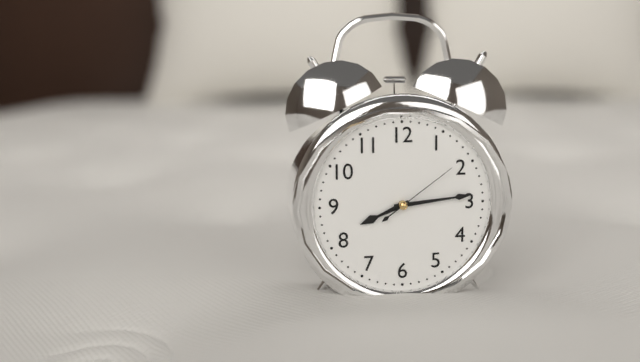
h=8 m=14 s=9
